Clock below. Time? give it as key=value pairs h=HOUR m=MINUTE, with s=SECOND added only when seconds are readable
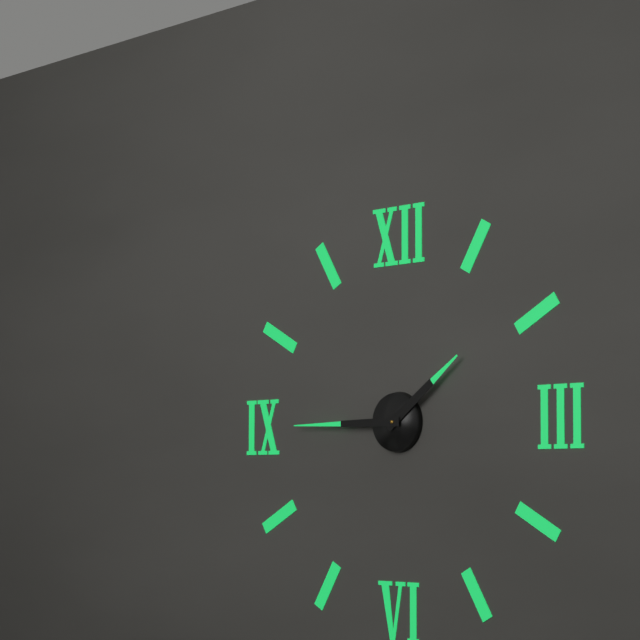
h=1 m=45
